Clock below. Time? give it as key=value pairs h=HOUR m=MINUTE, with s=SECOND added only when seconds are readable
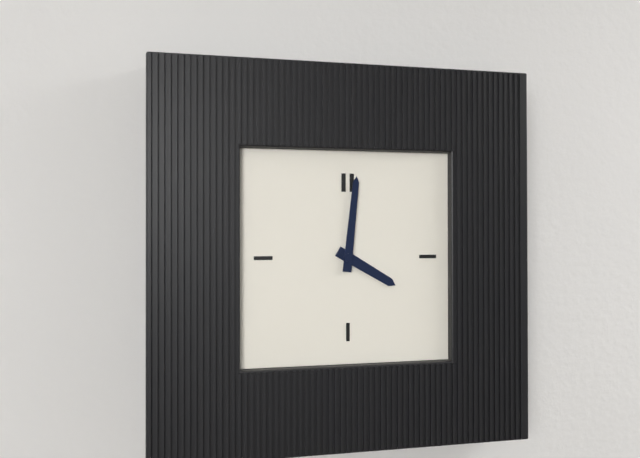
h=4 m=1
